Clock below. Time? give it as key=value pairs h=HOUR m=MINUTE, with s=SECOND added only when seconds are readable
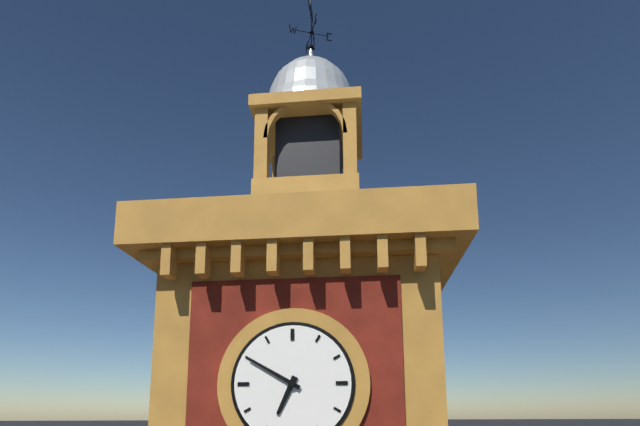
h=6 m=50
